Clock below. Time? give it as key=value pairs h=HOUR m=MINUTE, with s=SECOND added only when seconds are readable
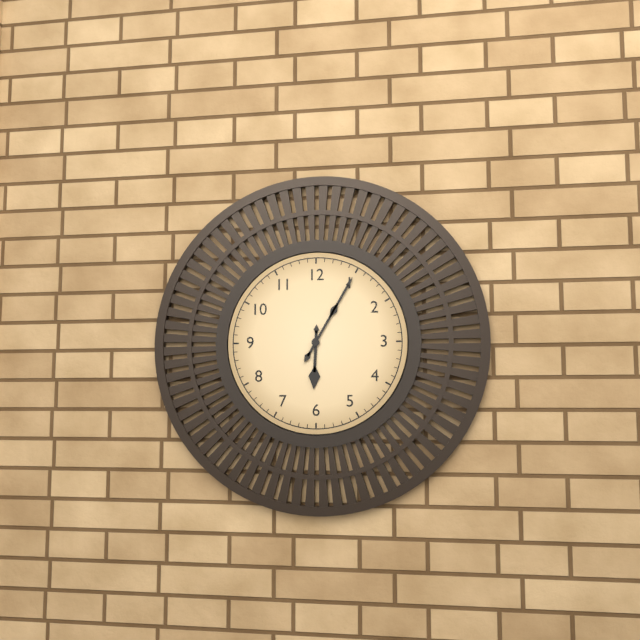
h=6 m=5
